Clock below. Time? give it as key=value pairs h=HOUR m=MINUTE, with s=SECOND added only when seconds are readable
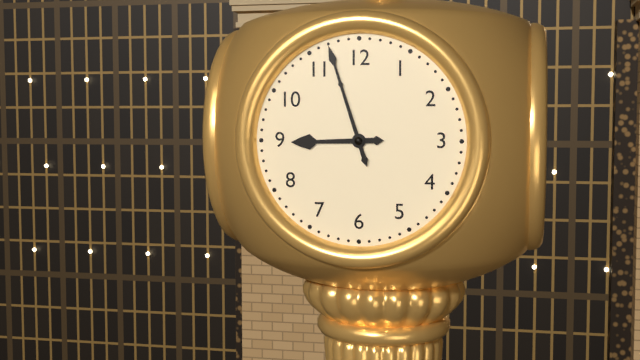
h=8 m=57
